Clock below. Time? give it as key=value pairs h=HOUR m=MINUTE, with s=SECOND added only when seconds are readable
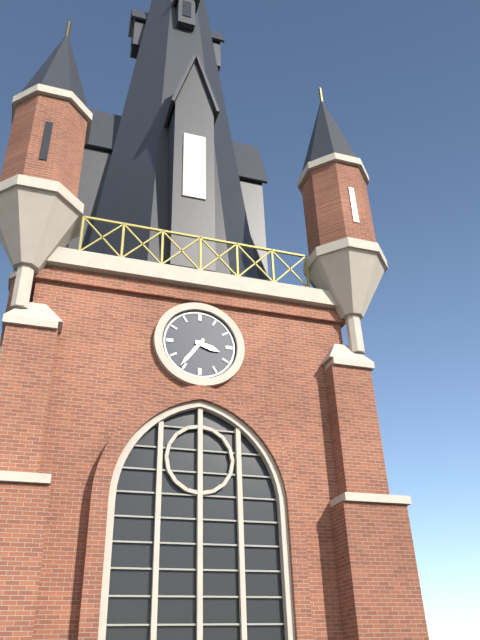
h=3 m=36
